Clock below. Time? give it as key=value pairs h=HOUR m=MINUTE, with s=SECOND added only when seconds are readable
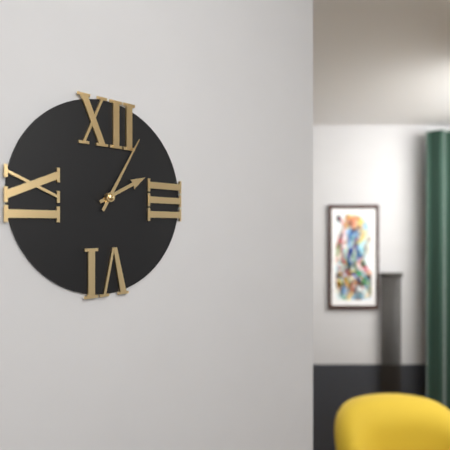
h=2 m=5
